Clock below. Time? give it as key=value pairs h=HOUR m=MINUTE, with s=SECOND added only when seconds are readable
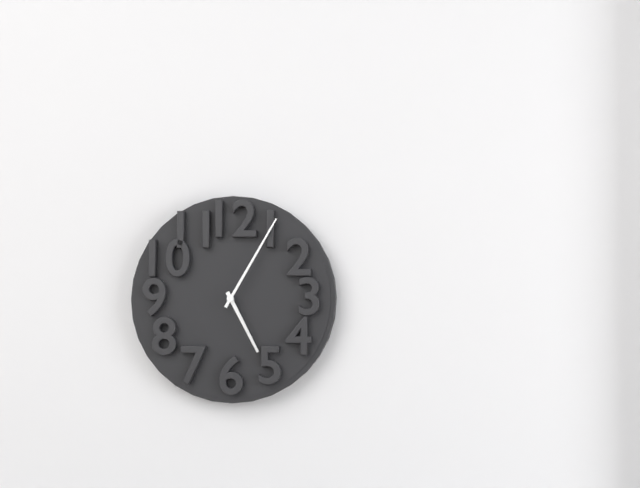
h=5 m=5
